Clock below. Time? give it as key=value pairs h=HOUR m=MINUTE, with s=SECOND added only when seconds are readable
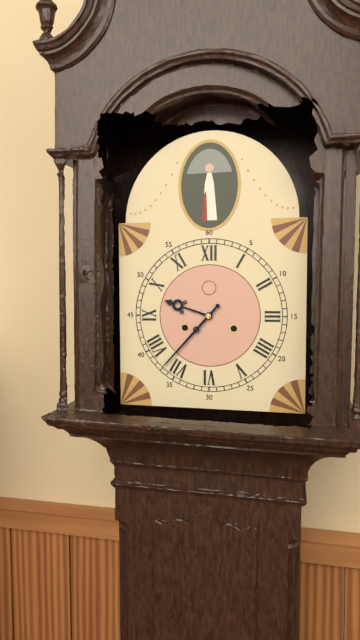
h=9 m=37
